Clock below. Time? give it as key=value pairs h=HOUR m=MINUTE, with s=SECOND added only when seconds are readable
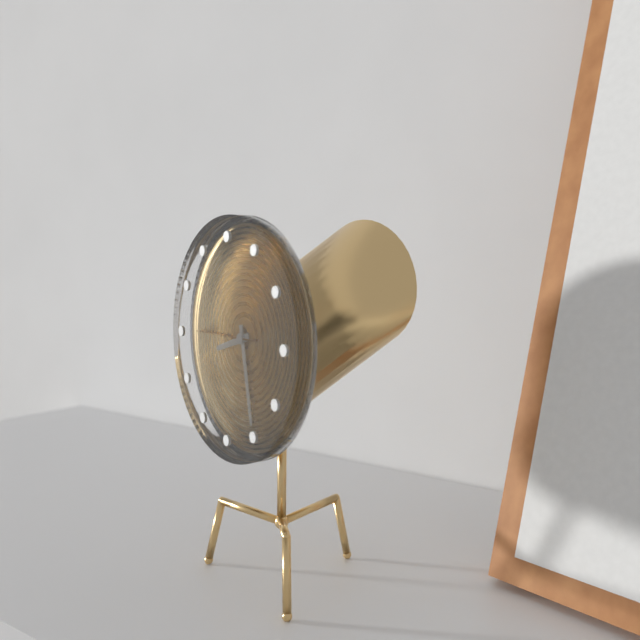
h=8 m=28 s=45
